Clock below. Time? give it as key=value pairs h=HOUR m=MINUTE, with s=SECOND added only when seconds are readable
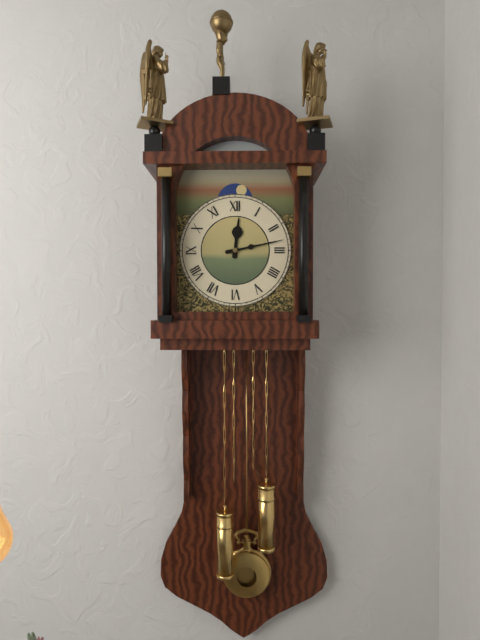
h=12 m=13
